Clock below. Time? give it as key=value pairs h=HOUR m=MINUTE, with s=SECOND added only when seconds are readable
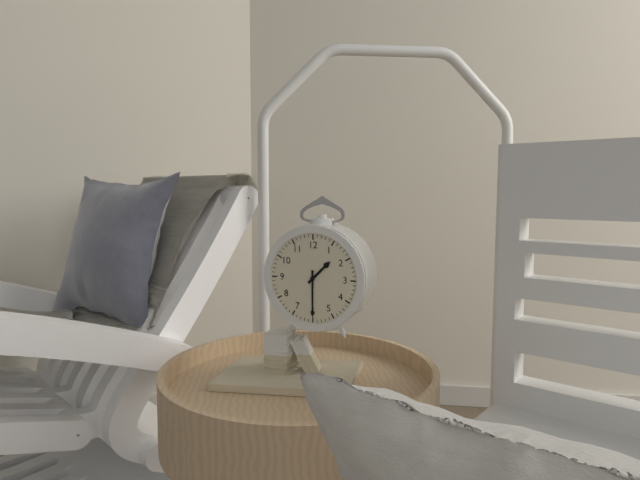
h=1 m=30
